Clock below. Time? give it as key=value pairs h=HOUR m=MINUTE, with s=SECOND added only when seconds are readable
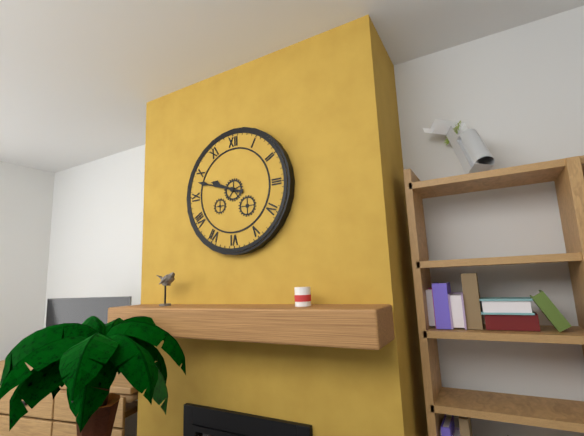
h=9 m=48
